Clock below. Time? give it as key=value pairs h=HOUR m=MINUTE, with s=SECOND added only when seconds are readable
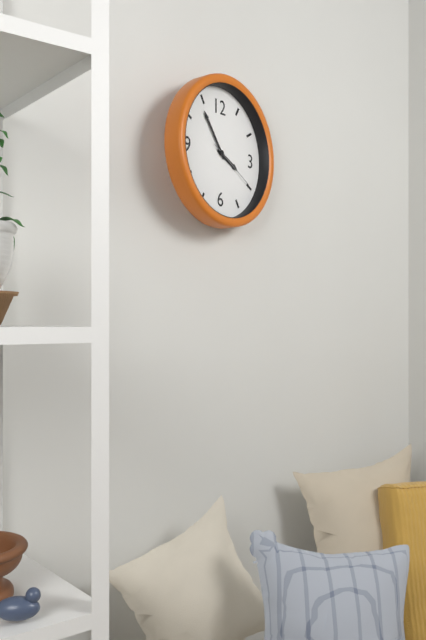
h=3 m=54 s=20
